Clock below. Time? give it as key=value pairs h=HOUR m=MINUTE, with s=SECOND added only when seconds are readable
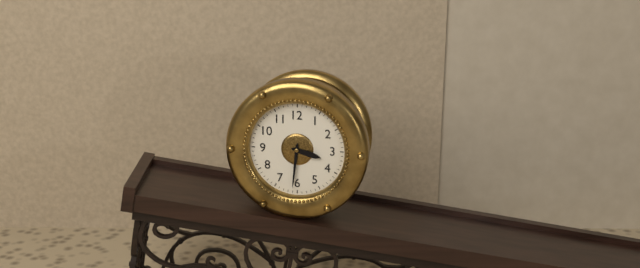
h=3 m=31
